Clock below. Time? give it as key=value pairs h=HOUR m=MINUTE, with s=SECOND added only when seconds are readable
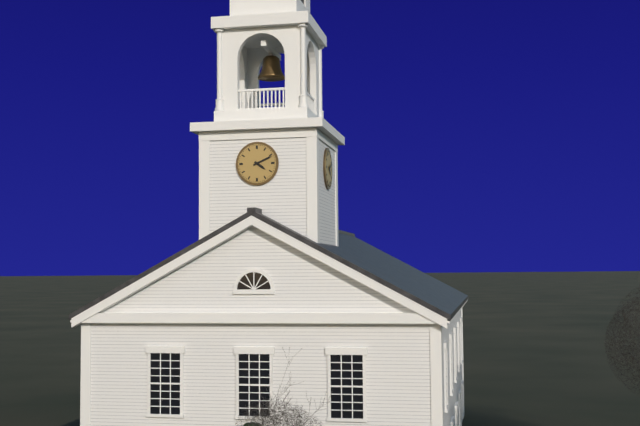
h=4 m=11
